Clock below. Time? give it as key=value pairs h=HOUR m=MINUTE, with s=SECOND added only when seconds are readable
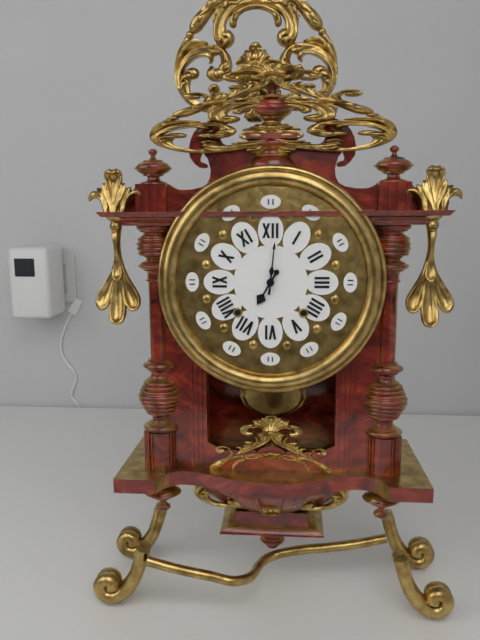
h=7 m=1
